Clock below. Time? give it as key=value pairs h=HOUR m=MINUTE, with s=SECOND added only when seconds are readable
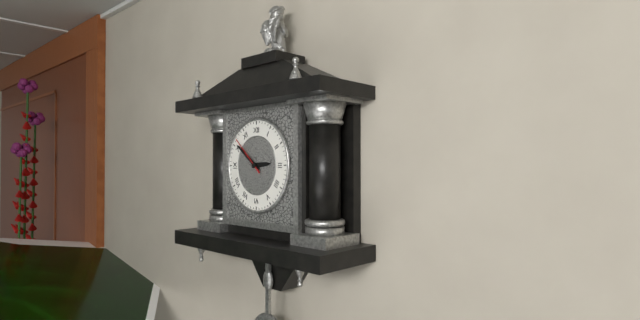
h=2 m=51 s=52
